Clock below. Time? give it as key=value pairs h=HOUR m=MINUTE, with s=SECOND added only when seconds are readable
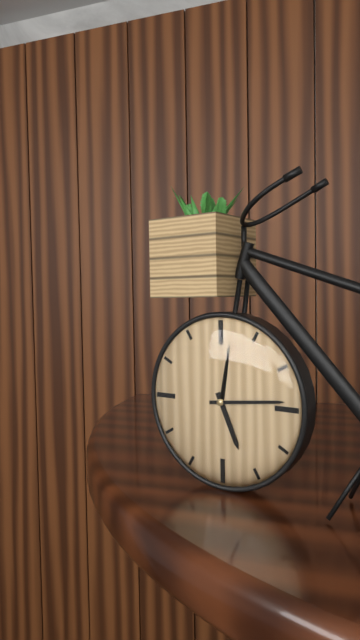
h=5 m=14
